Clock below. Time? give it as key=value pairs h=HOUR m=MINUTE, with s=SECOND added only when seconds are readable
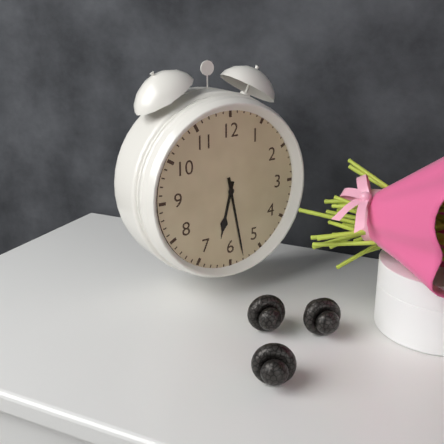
h=6 m=28
